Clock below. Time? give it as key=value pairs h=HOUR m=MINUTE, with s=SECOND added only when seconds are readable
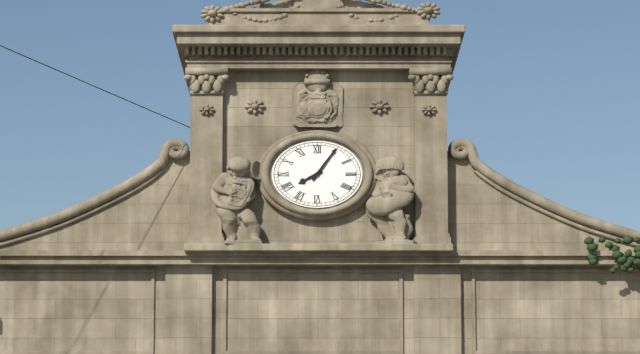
h=8 m=6
